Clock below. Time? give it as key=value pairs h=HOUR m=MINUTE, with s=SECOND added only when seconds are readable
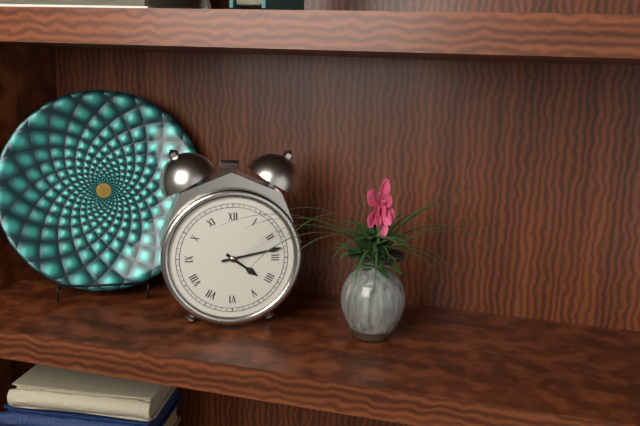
h=4 m=13
